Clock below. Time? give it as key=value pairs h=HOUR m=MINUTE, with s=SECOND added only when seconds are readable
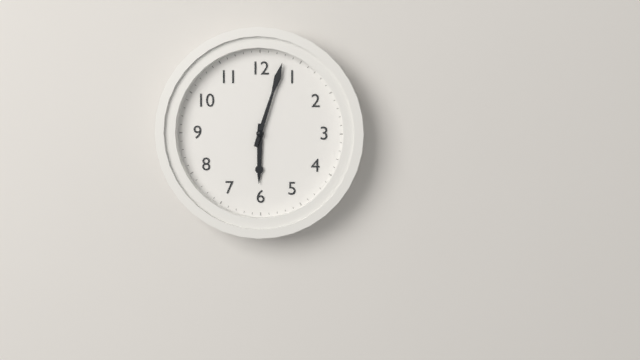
h=6 m=3
